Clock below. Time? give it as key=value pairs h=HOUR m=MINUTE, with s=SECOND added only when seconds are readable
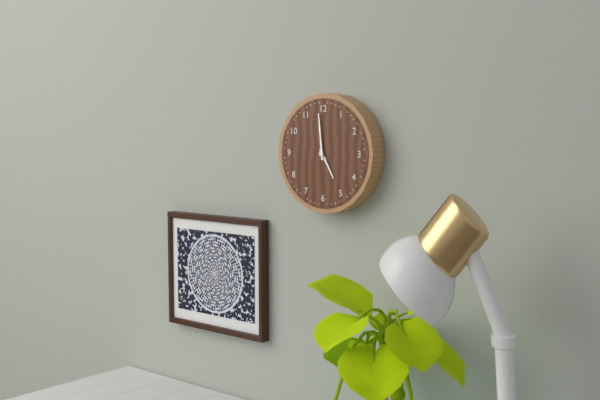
h=4 m=59
